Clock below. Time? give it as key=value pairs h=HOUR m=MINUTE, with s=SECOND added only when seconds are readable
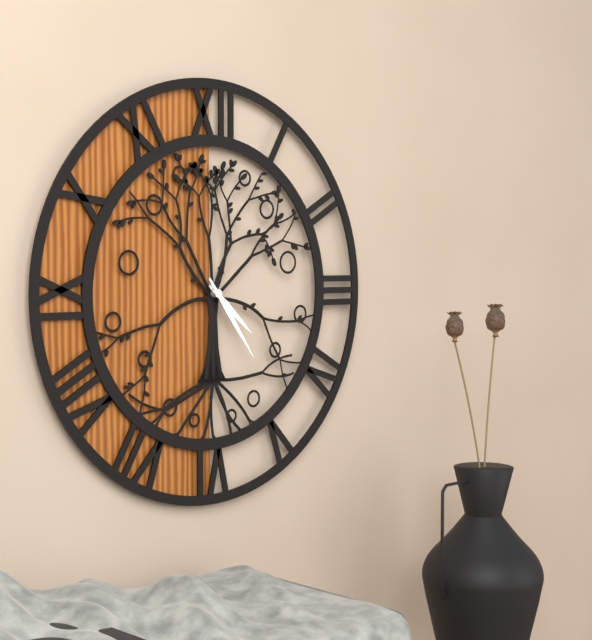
h=4 m=24
